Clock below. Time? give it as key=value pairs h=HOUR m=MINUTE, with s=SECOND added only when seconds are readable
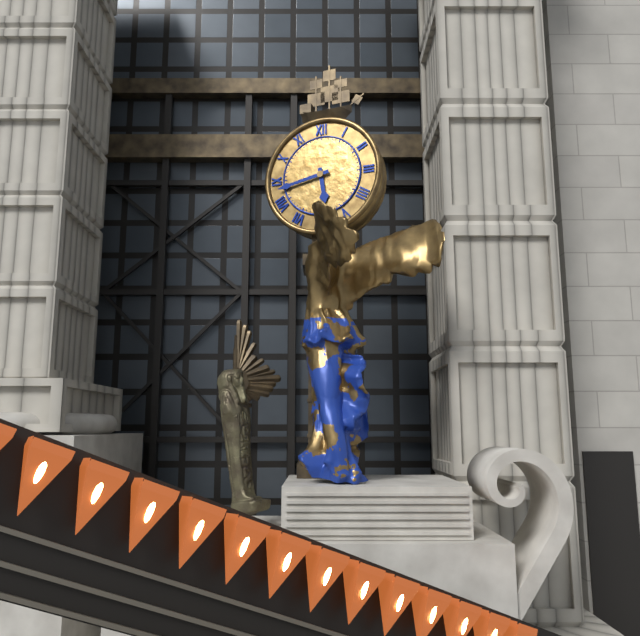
h=5 m=43
